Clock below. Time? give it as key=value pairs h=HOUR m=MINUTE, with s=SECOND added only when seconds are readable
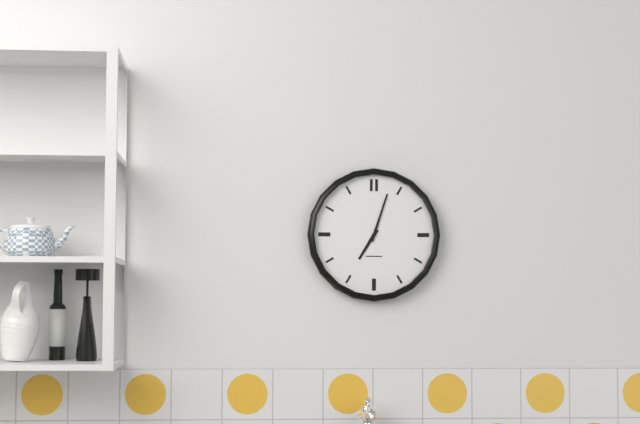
h=7 m=3
